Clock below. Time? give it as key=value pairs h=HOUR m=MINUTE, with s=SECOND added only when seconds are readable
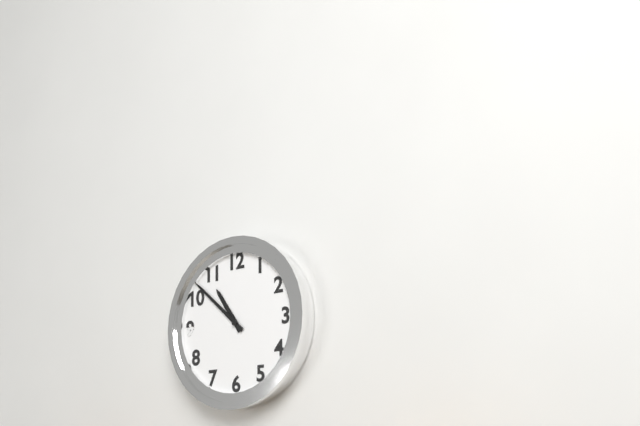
h=10 m=52
